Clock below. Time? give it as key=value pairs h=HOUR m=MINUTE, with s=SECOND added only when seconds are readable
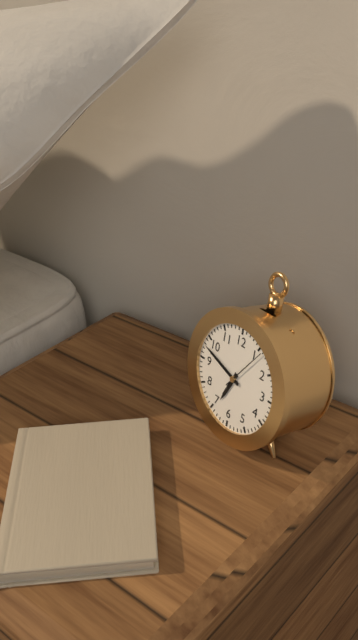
h=6 m=48
